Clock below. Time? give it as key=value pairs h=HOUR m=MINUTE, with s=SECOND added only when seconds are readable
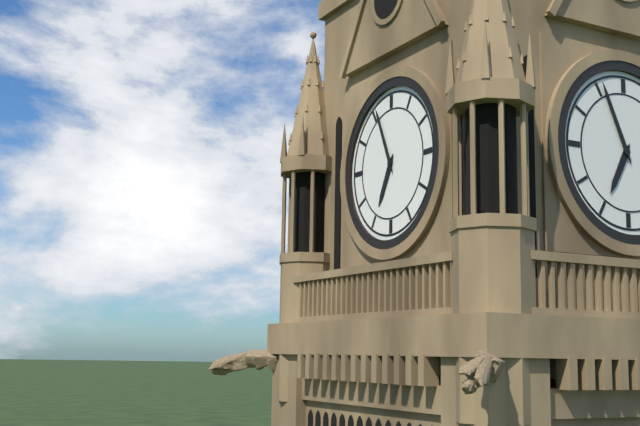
h=6 m=56
